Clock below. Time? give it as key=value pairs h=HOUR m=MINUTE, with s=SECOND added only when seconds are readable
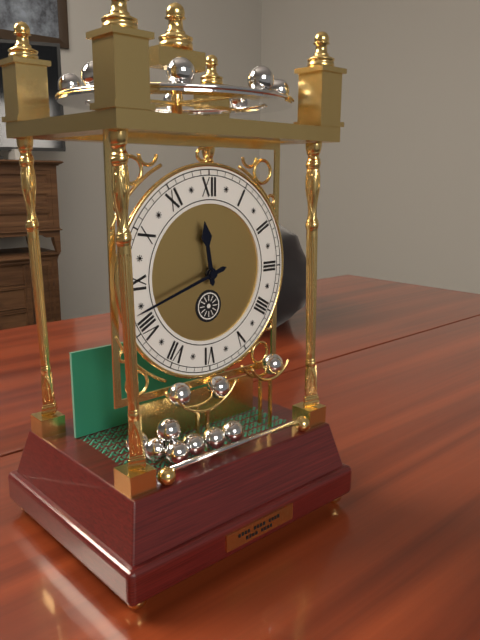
h=11 m=42
